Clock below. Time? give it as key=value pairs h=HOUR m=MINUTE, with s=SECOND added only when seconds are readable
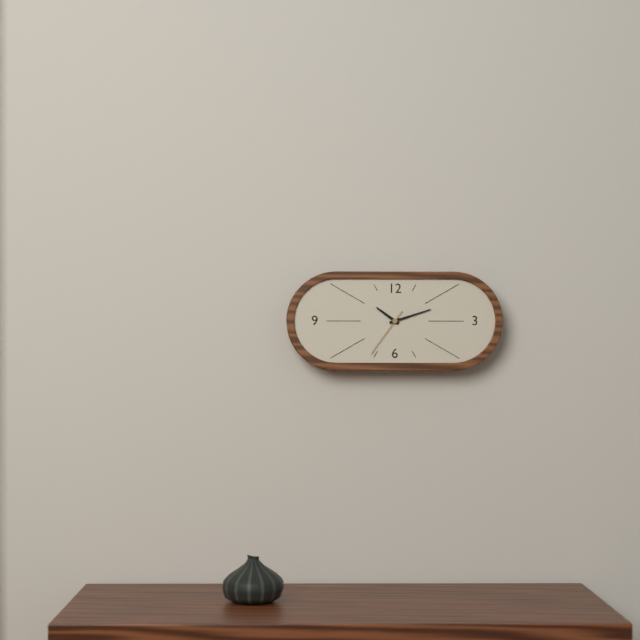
h=10 m=12
